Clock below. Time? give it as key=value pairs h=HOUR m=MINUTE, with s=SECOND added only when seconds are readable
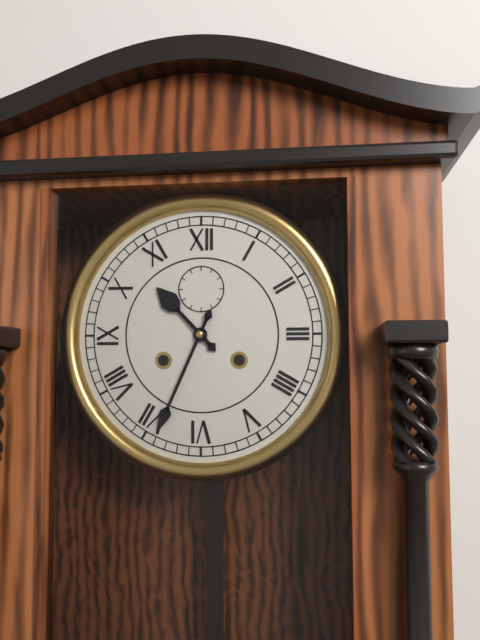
h=10 m=34
